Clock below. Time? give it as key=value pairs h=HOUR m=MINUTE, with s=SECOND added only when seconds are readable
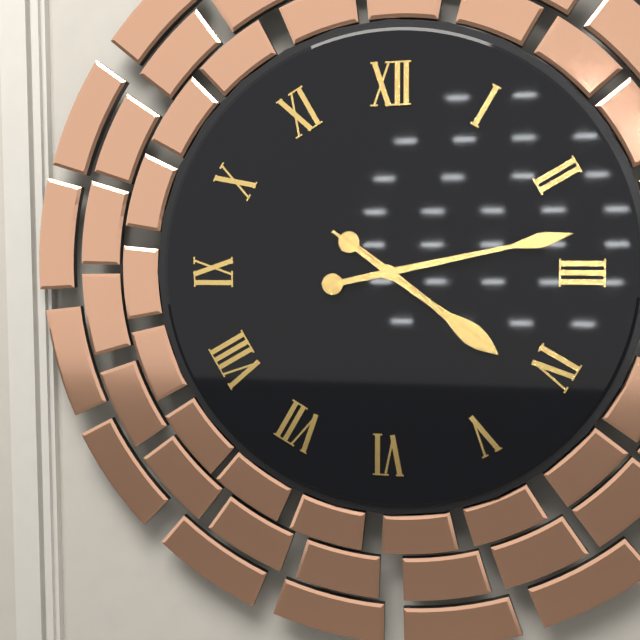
h=4 m=13 s=21
